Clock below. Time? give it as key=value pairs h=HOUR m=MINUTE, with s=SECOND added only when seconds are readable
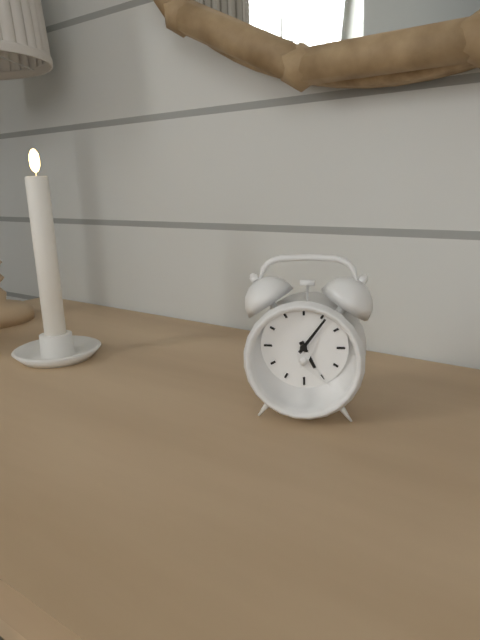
h=5 m=6
